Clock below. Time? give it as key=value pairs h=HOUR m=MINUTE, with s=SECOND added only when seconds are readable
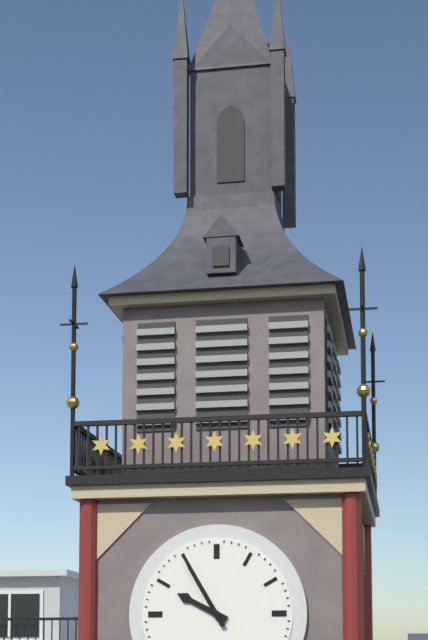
h=9 m=55
